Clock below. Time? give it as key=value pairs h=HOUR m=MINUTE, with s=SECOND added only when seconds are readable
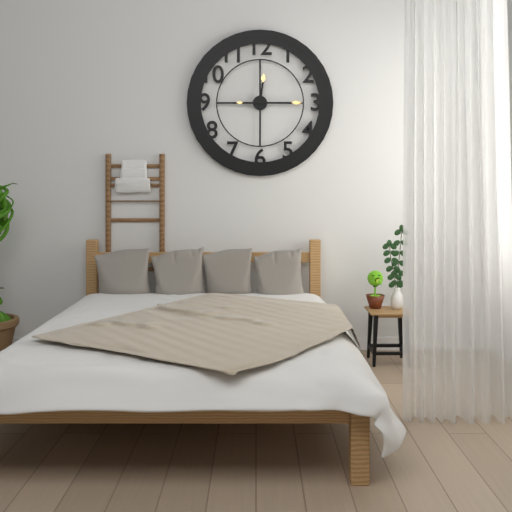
h=12 m=15
